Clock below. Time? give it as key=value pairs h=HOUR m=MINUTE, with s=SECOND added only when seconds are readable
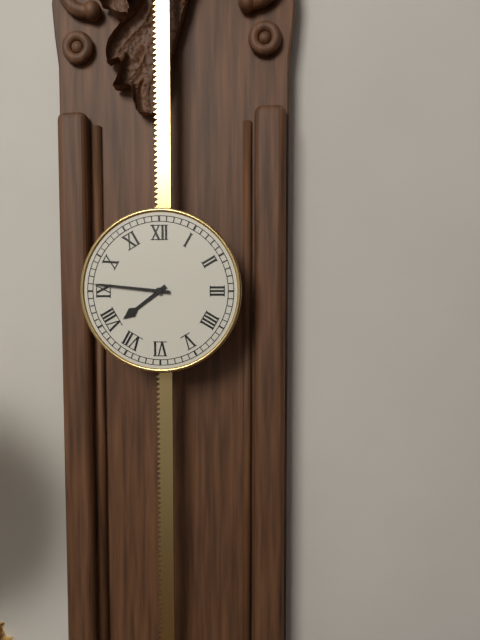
h=7 m=46
